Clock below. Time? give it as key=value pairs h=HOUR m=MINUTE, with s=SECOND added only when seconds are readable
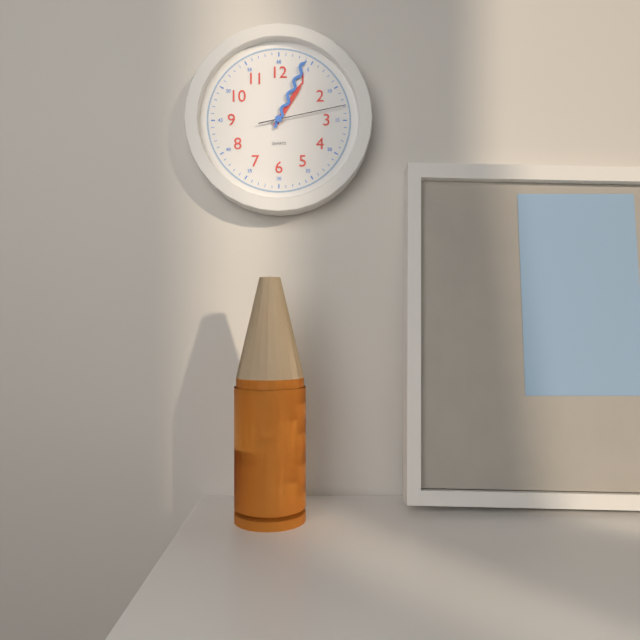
h=1 m=4 s=13
